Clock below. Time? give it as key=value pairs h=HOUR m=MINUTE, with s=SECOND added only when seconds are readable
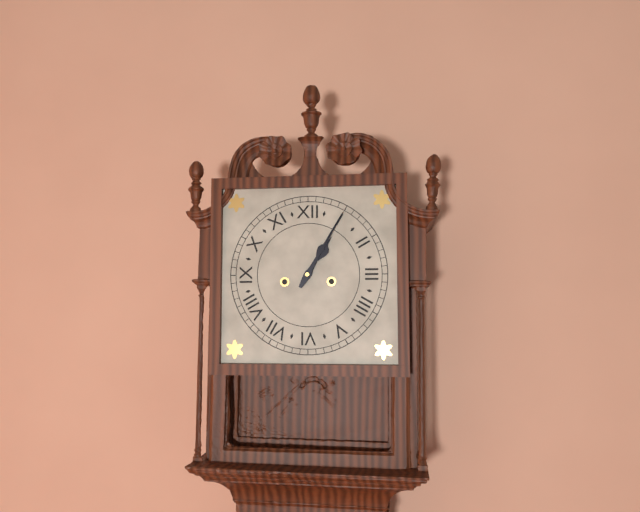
h=1 m=5
